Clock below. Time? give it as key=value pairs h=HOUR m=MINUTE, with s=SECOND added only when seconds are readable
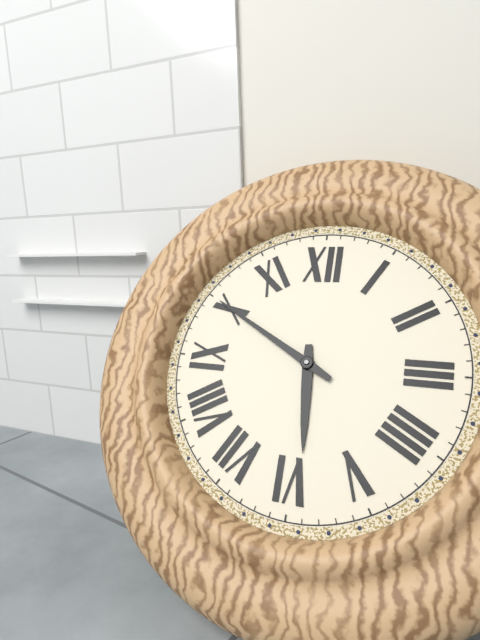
h=5 m=50
